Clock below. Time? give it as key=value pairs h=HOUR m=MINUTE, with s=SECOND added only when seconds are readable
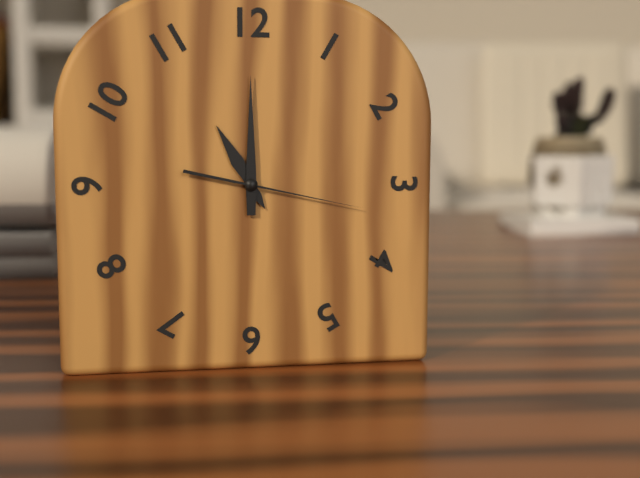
h=11 m=0 s=17
